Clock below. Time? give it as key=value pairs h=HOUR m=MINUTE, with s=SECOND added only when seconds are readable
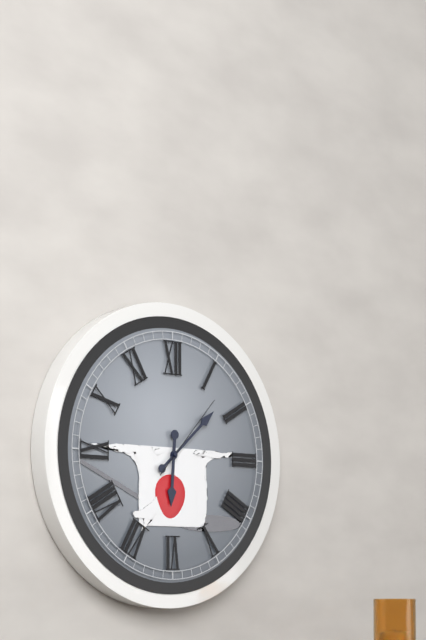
h=6 m=8 s=7
